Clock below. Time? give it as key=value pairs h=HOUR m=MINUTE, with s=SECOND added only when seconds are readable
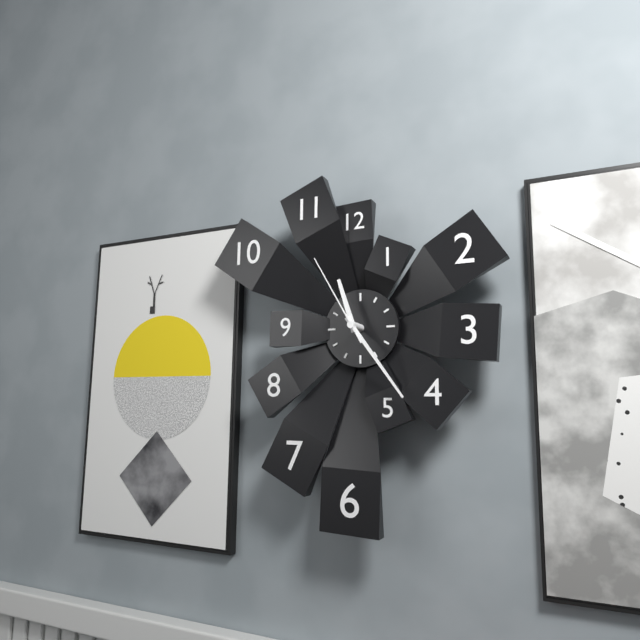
h=11 m=24 s=55
